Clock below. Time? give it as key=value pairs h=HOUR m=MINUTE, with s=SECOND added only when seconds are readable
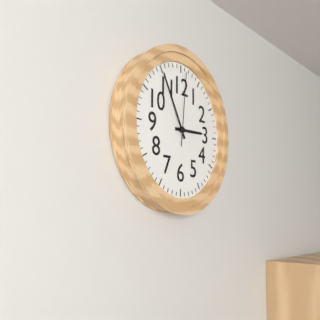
h=2 m=55 s=1
